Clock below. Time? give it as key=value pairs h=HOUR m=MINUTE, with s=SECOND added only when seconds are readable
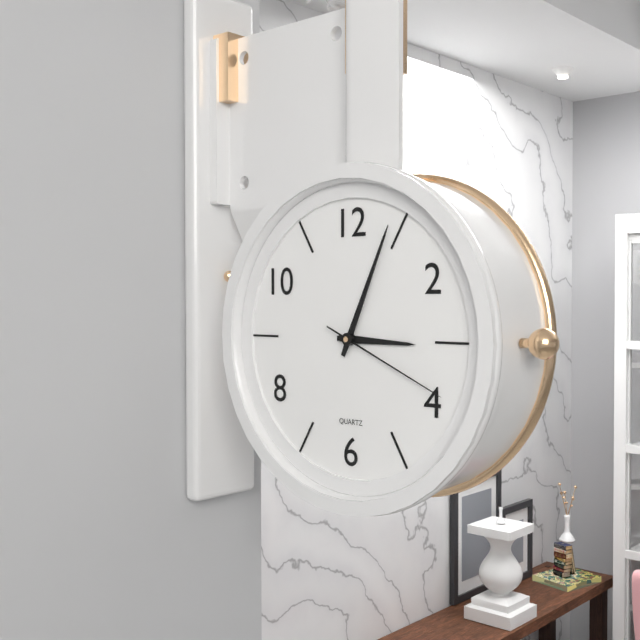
h=3 m=4 s=19
